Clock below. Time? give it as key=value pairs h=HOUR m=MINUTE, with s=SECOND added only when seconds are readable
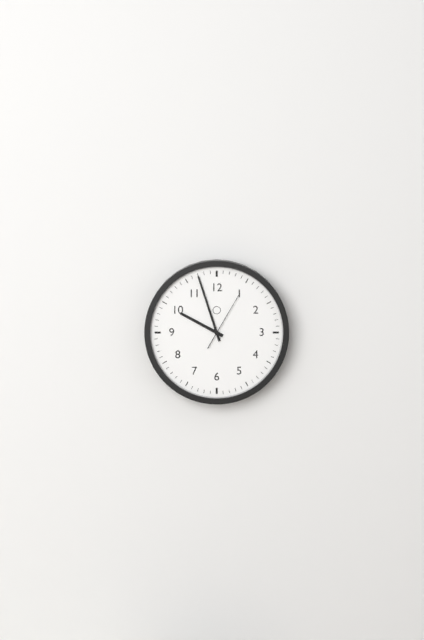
h=9 m=57 s=5
